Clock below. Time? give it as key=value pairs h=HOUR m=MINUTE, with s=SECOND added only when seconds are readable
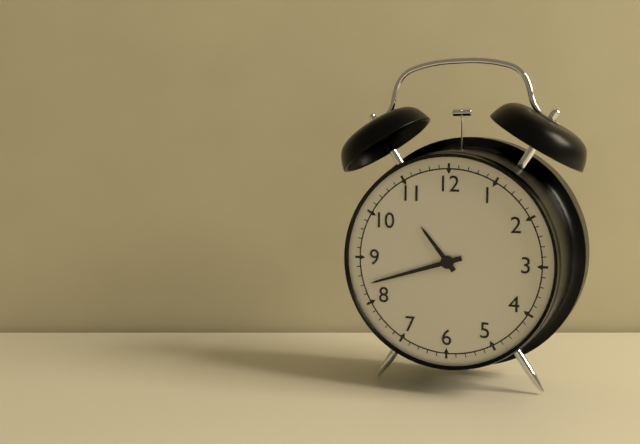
h=10 m=42
